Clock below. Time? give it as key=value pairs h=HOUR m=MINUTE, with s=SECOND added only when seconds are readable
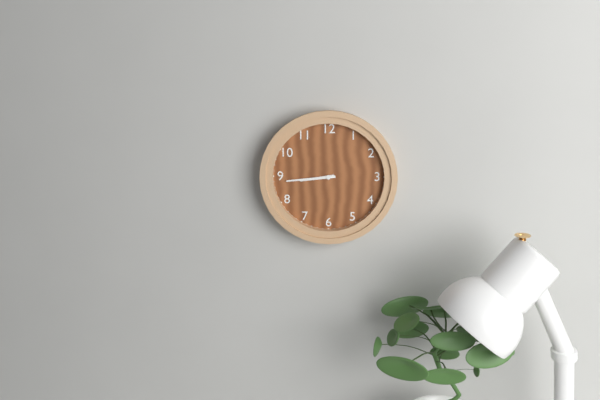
h=8 m=44
